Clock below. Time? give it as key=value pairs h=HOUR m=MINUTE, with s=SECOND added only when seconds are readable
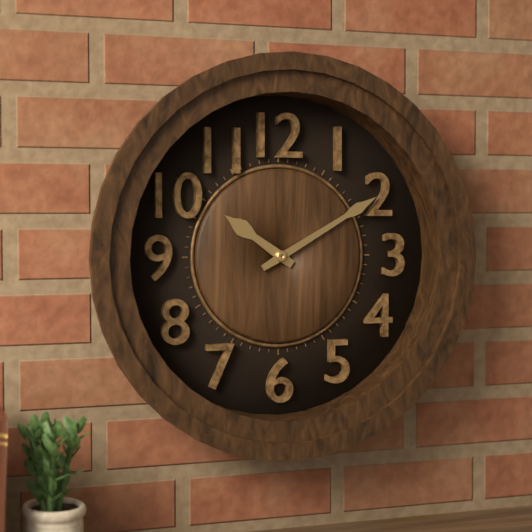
h=10 m=10
